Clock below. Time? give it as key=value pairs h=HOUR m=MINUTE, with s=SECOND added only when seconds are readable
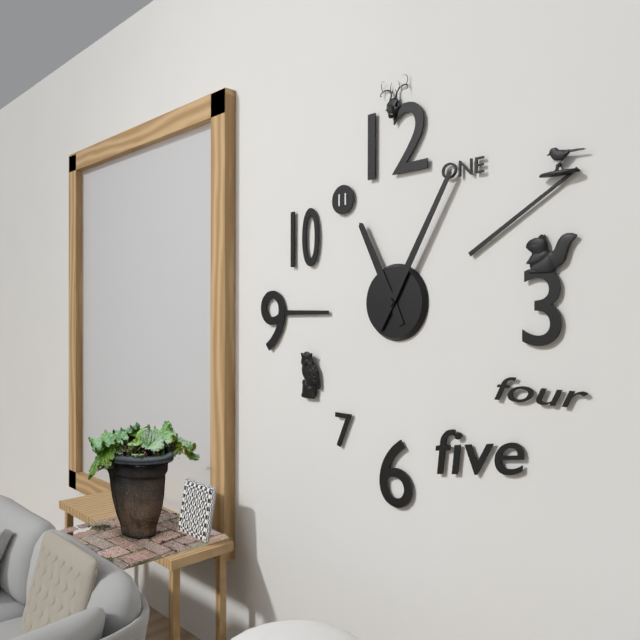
h=11 m=5
